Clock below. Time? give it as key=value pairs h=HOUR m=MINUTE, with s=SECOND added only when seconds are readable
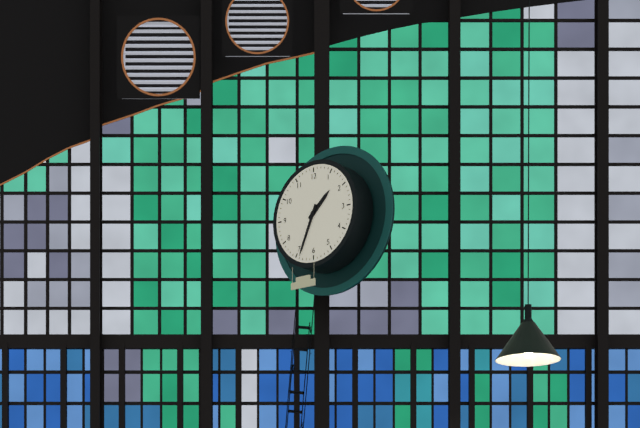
h=1 m=34
